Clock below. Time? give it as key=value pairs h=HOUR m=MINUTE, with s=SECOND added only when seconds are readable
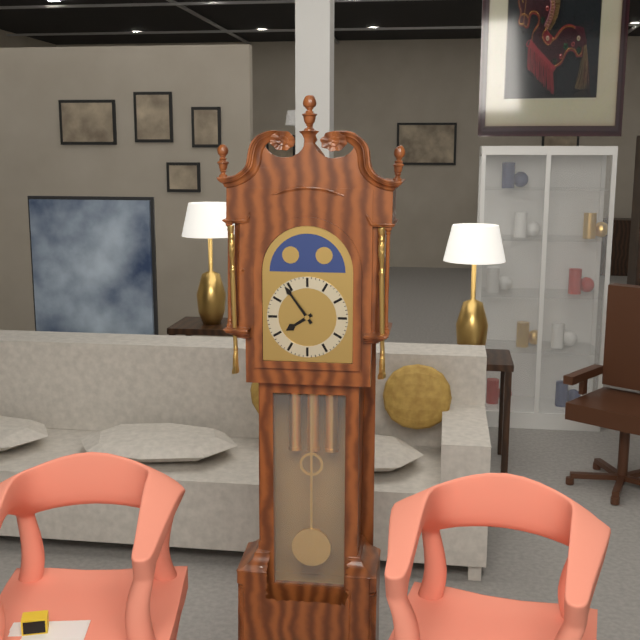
h=7 m=54
